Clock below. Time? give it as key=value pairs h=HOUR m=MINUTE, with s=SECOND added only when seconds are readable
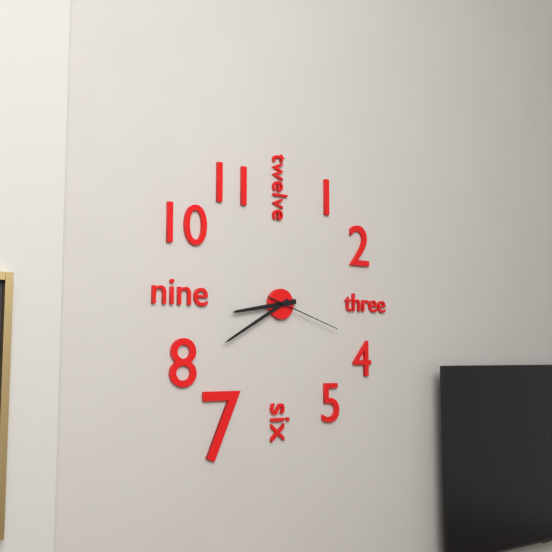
h=8 m=40 s=18
